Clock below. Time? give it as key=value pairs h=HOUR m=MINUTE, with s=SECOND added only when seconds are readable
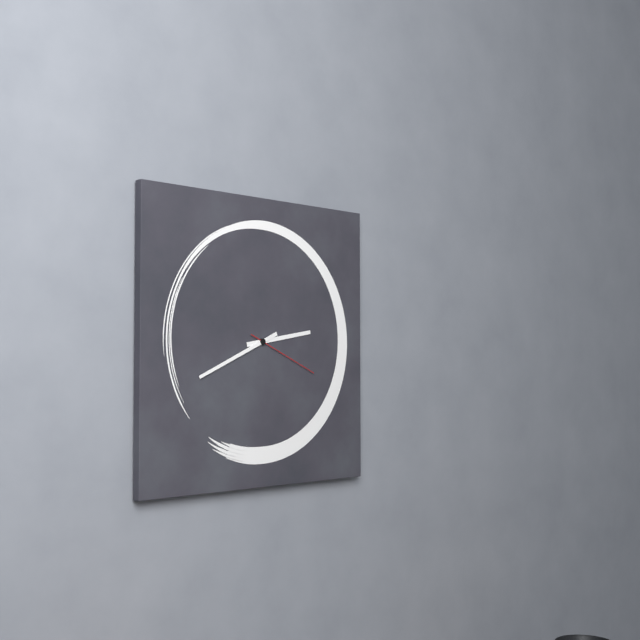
h=2 m=41 s=19
